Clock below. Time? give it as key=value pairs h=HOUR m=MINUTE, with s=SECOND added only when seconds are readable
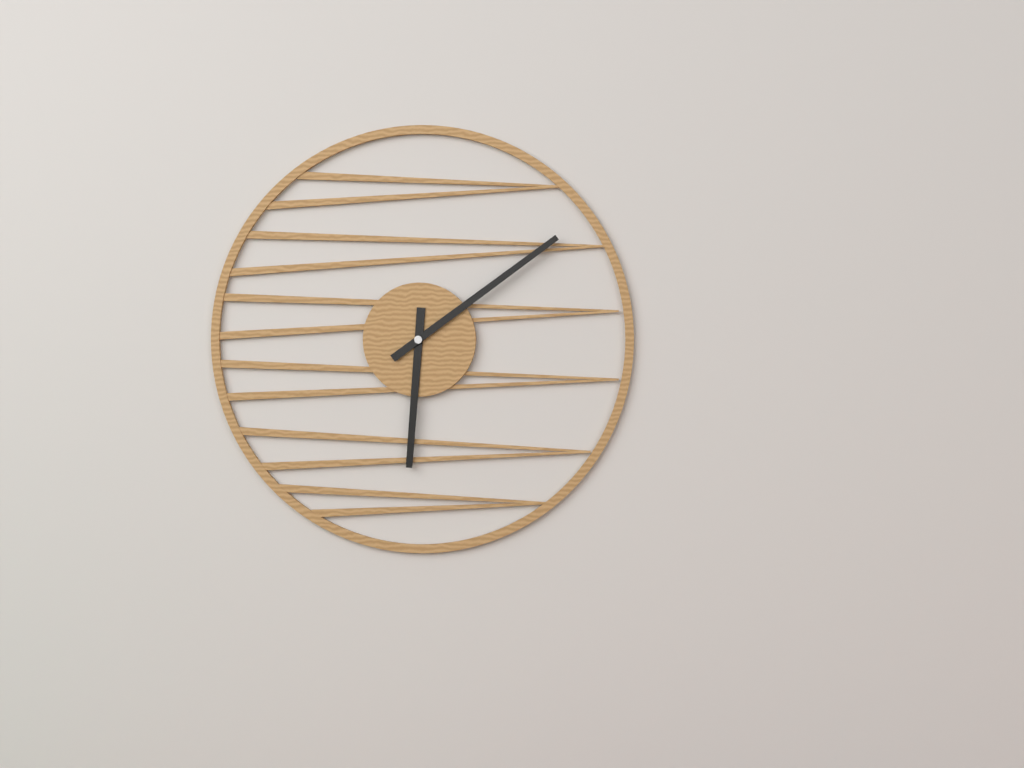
h=6 m=9
